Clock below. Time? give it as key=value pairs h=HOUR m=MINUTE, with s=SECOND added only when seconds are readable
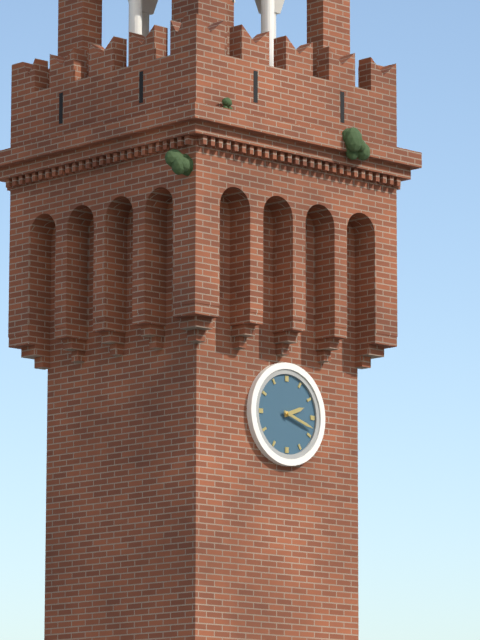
h=2 m=18
